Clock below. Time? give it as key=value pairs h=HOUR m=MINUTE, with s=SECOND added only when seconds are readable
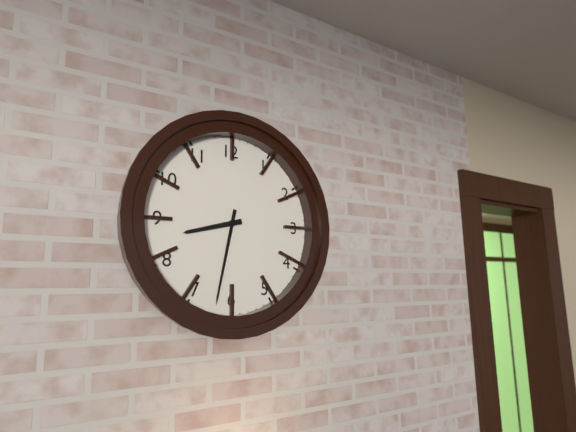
h=8 m=32
